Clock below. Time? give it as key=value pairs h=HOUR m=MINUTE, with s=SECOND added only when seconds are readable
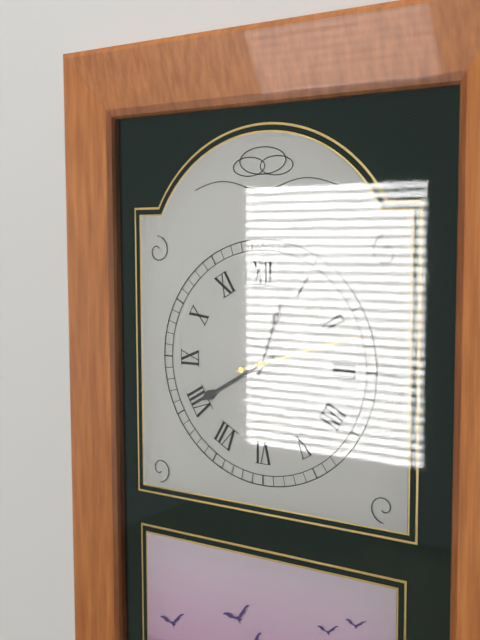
h=12 m=40 s=12
